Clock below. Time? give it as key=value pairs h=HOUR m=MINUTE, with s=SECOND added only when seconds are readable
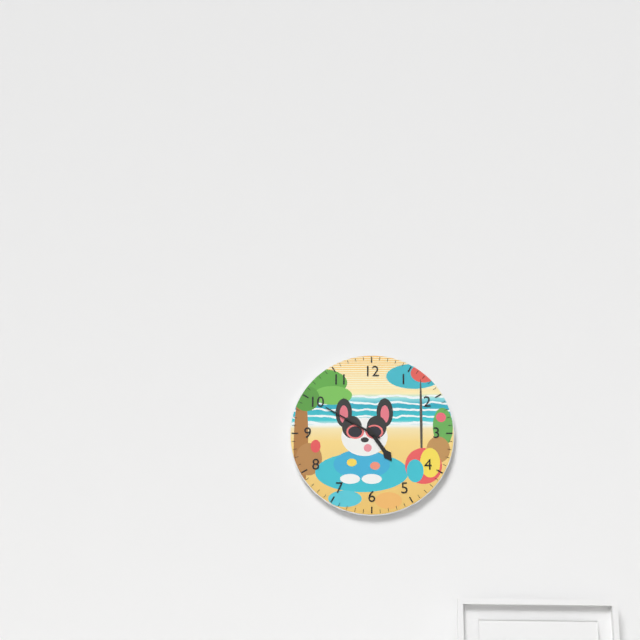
h=4 m=50
